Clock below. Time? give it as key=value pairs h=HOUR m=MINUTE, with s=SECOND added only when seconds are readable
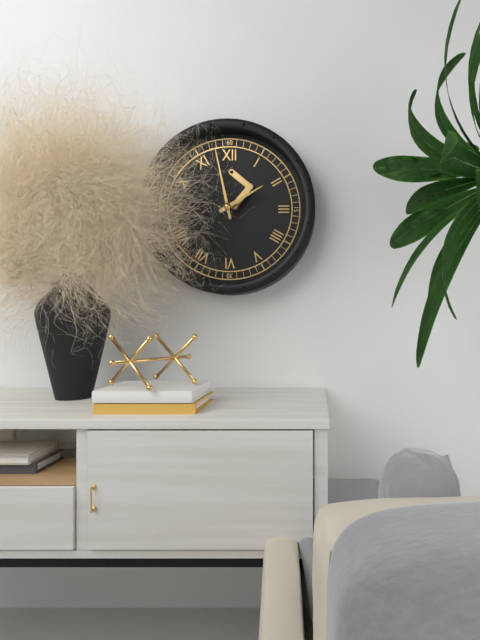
h=1 m=58
